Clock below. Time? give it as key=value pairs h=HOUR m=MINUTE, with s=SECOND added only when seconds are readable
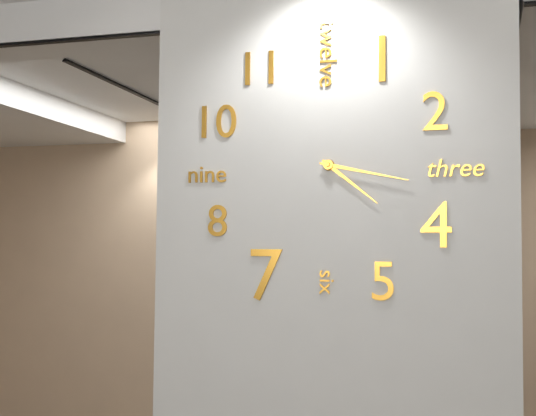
h=4 m=17
